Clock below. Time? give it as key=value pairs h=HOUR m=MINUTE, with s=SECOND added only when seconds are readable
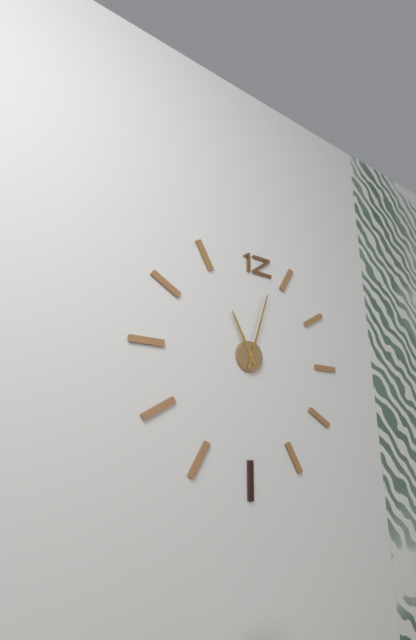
h=11 m=3
